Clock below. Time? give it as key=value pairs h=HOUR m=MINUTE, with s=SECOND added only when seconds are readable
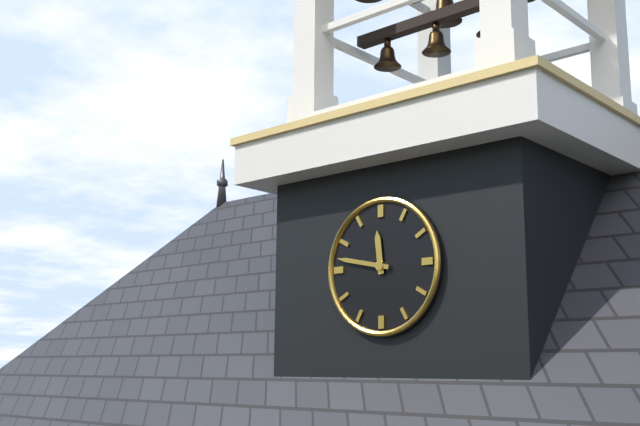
h=11 m=47
